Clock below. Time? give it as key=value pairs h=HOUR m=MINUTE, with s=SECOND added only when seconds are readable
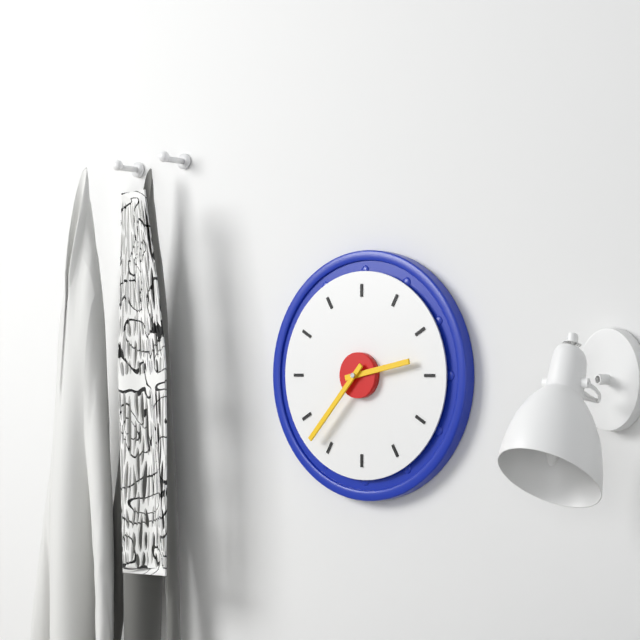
h=2 m=37
